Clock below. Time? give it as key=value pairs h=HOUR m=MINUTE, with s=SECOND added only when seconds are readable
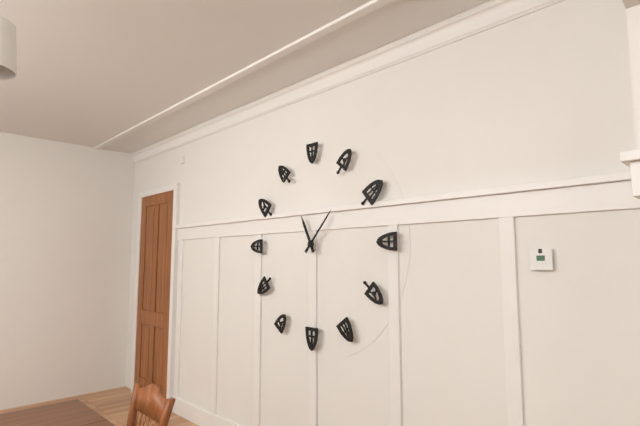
h=11 m=7
